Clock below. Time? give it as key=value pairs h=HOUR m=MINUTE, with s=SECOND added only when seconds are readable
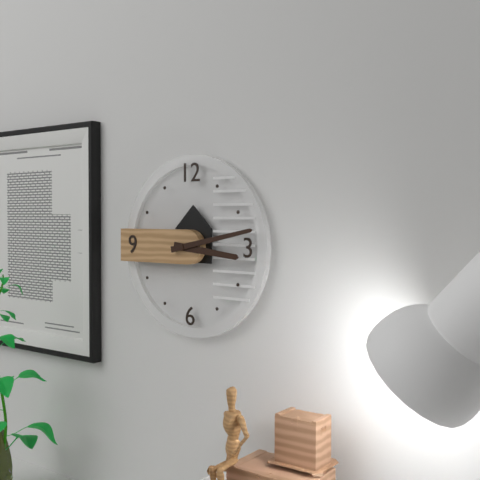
h=3 m=13
